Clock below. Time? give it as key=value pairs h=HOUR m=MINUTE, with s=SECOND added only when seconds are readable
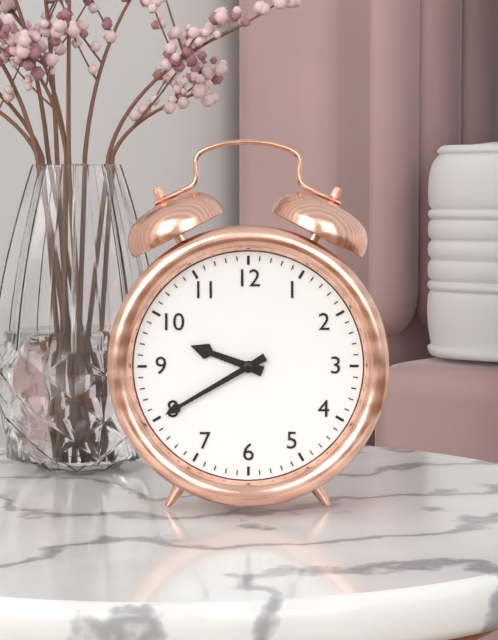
h=9 m=40
